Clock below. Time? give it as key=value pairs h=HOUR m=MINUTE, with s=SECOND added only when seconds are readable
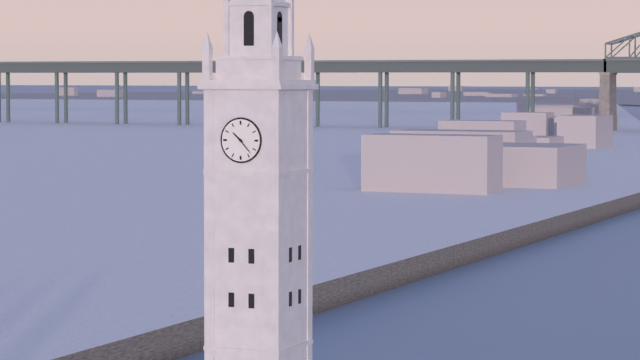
h=10 m=23
